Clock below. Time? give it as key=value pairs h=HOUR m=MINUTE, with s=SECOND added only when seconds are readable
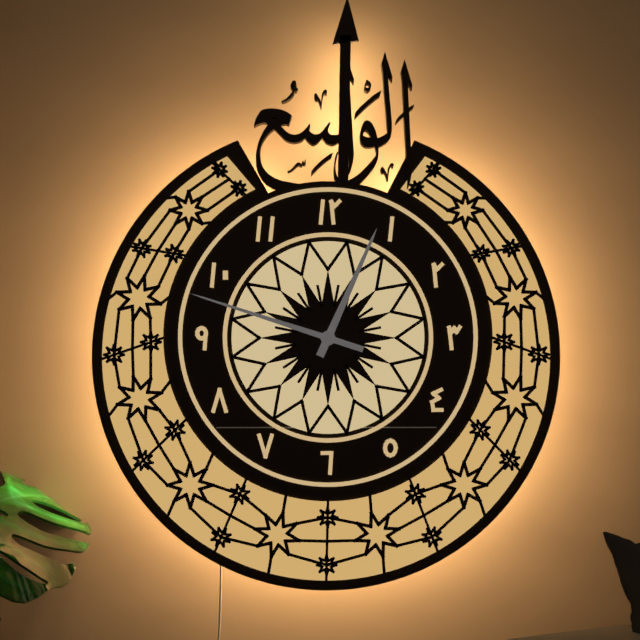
h=12 m=48
